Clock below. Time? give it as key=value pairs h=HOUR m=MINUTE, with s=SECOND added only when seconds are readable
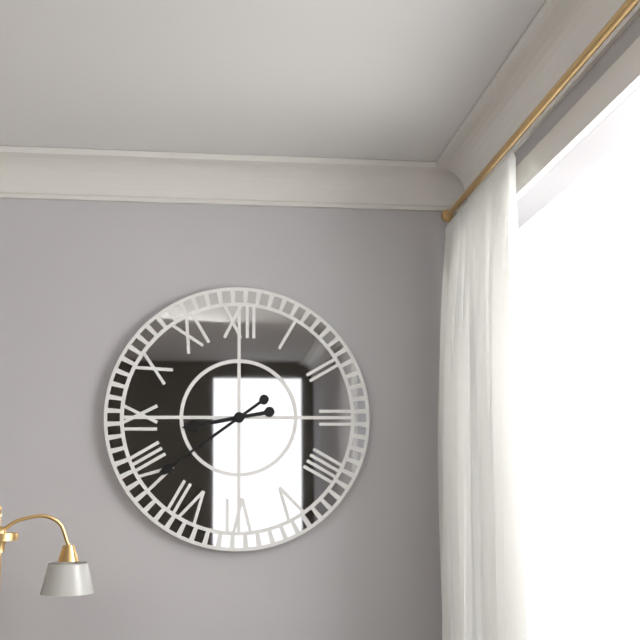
h=8 m=39
